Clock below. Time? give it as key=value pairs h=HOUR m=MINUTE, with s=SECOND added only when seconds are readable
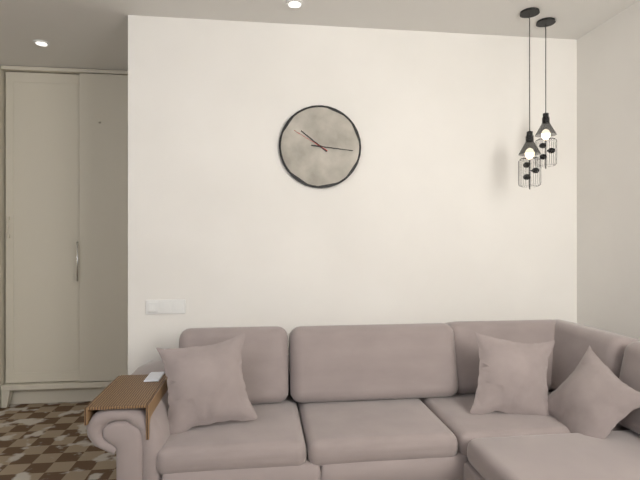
h=10 m=16
